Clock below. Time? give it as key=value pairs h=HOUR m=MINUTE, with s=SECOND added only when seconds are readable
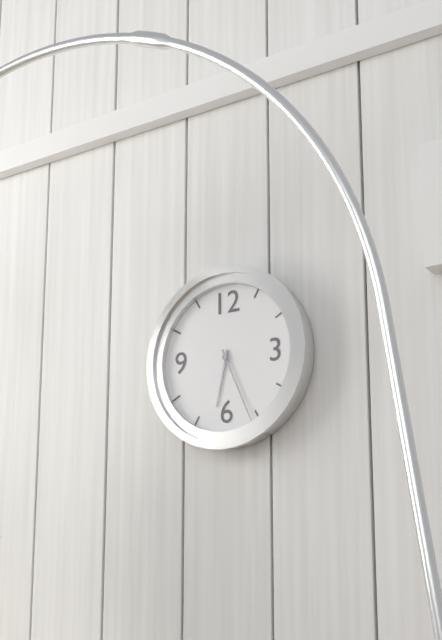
h=6 m=26
